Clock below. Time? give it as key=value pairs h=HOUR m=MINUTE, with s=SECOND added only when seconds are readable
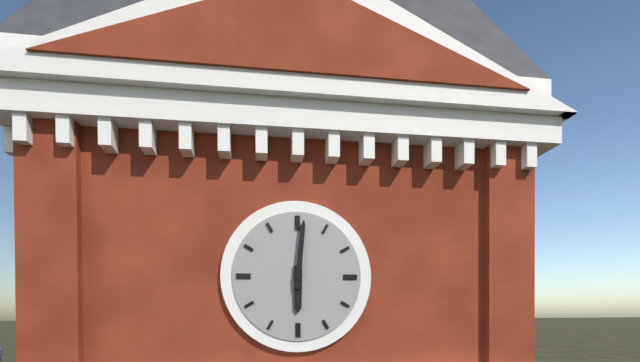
h=6 m=1
